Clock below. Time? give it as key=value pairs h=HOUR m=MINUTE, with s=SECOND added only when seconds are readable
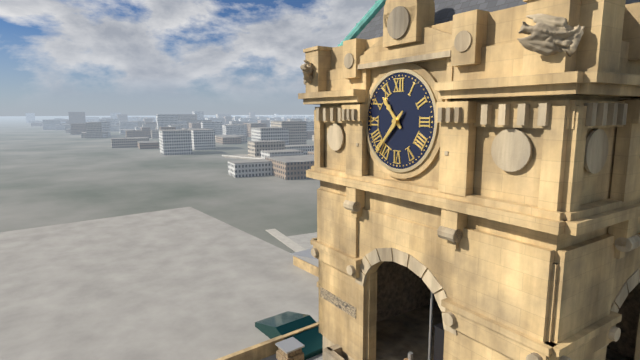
h=10 m=37
